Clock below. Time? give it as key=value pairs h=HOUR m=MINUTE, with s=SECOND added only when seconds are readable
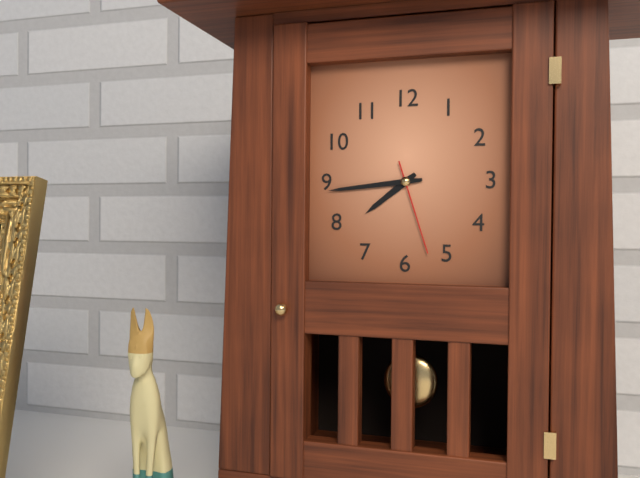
h=7 m=44 s=27
